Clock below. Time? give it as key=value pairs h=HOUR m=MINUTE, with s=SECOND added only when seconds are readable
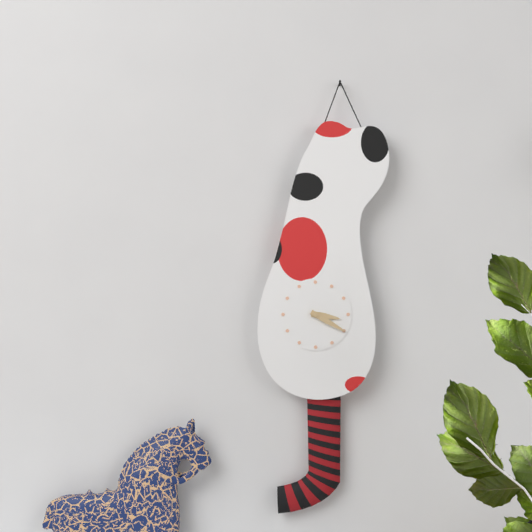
h=3 m=20
